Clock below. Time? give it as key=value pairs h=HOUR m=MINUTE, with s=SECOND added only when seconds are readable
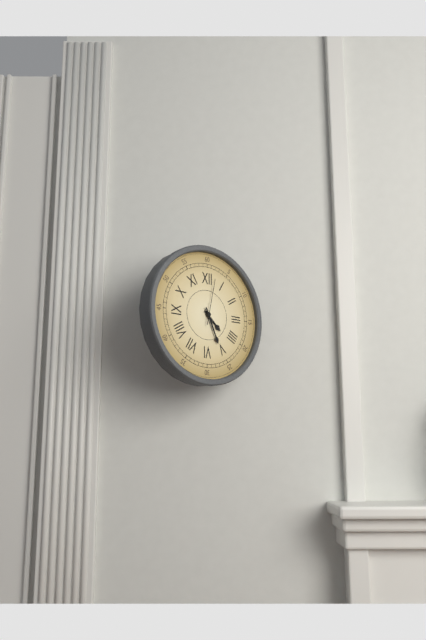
h=4 m=26
